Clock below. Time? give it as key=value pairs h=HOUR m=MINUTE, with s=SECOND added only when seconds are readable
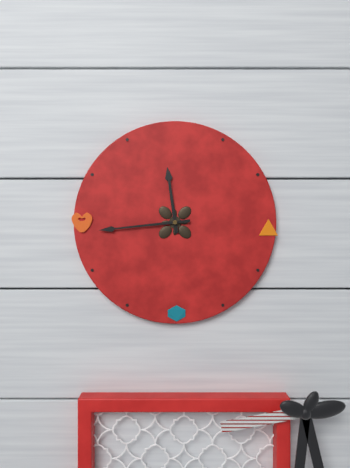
h=11 m=44
